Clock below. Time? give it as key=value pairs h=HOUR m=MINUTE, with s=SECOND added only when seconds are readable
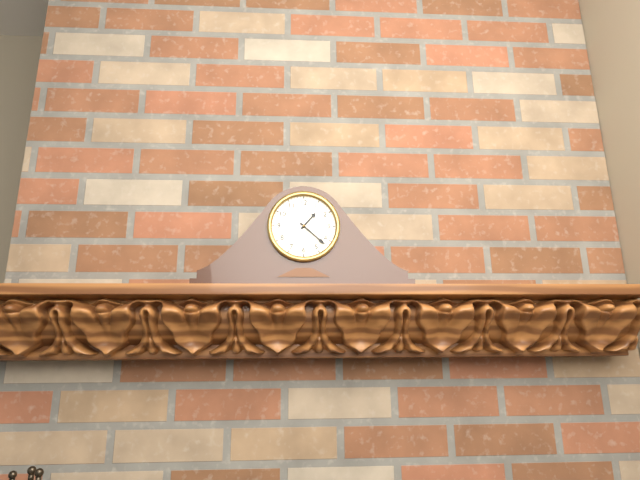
h=1 m=22
